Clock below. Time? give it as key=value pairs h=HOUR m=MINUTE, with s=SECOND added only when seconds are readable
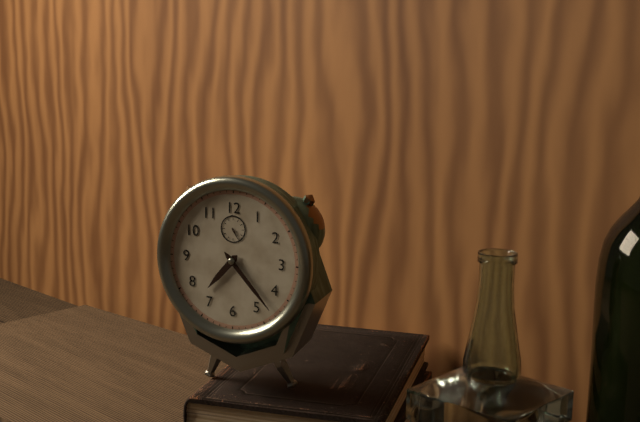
h=7 m=23
